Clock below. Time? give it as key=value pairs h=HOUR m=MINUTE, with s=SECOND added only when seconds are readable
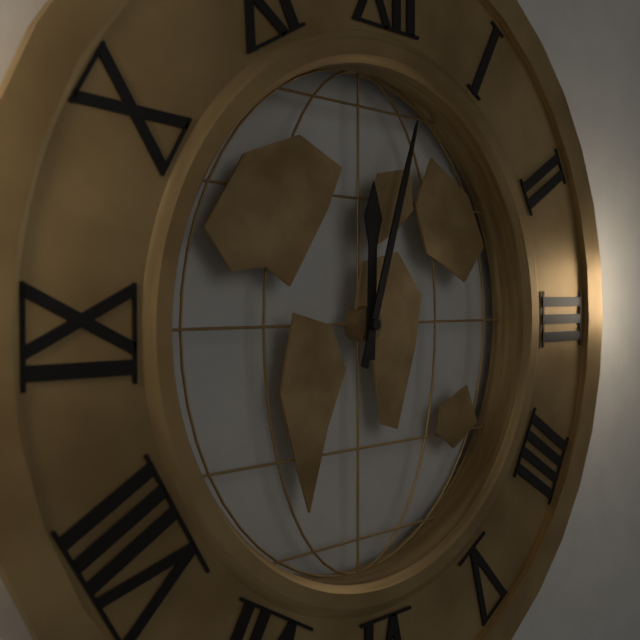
h=12 m=3
